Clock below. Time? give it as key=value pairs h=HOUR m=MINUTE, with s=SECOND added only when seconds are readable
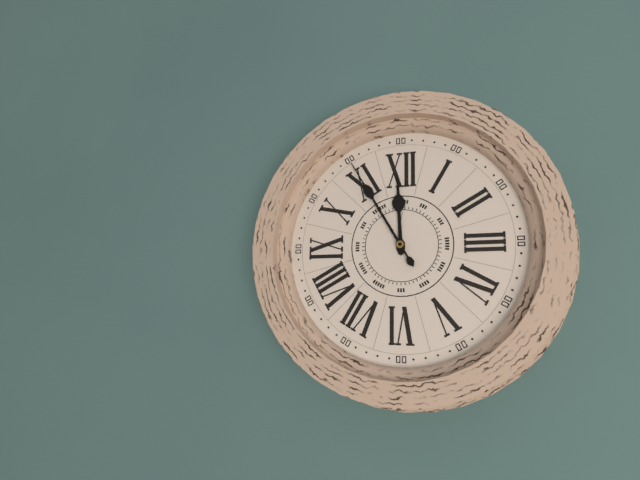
h=11 m=55
